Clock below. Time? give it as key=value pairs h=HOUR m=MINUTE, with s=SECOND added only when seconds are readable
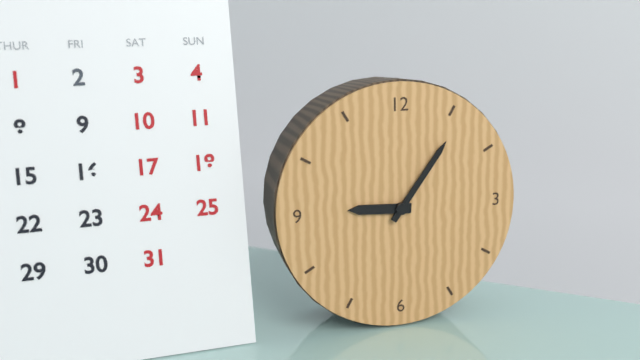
h=9 m=6
